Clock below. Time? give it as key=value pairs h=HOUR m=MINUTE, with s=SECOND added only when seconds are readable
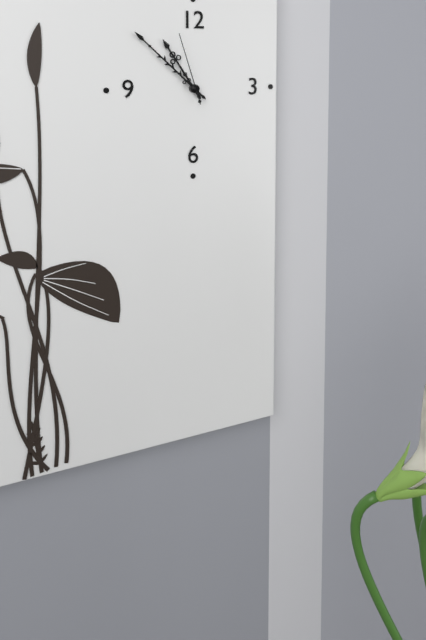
h=10 m=52 s=57
